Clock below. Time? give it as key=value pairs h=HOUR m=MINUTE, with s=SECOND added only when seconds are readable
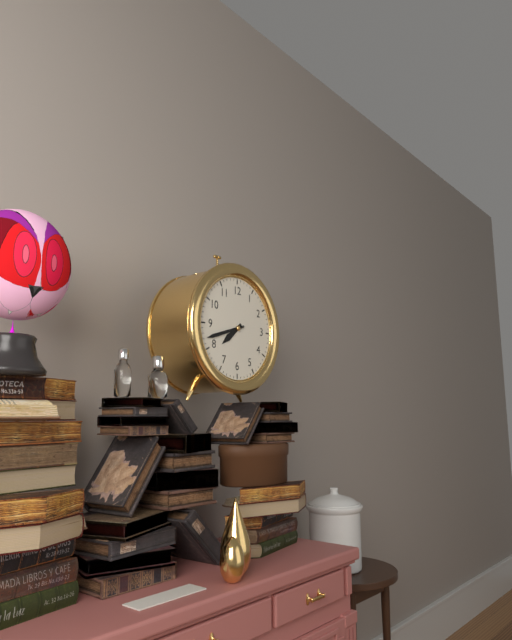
h=7 m=42
